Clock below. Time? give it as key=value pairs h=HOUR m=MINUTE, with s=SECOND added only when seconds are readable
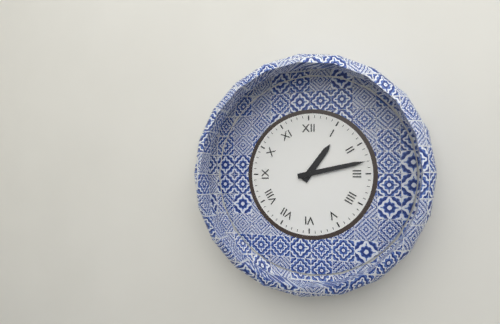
h=1 m=13
